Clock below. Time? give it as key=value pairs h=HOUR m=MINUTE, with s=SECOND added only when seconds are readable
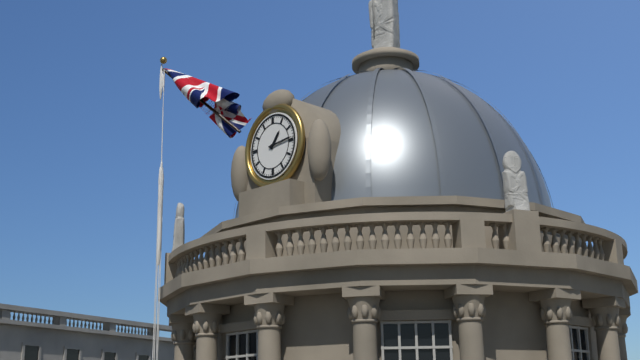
h=1 m=14
